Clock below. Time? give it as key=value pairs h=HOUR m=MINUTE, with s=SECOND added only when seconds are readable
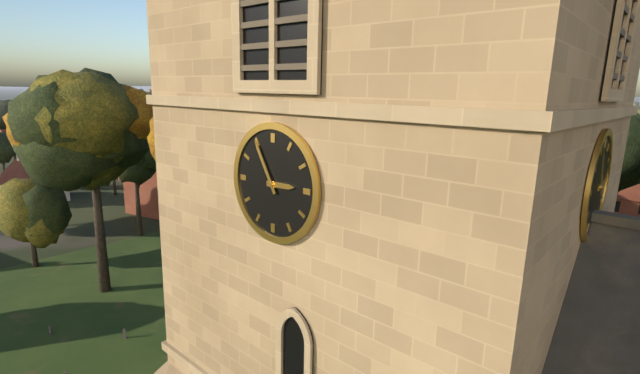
h=2 m=55
